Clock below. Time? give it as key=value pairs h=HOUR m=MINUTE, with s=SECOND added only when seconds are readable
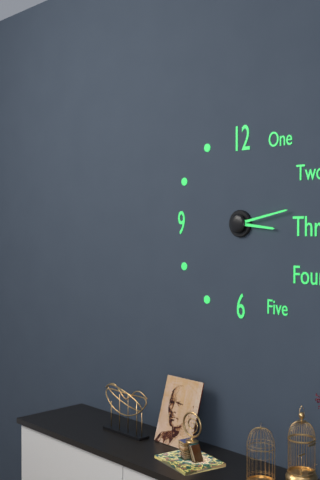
h=3 m=13
